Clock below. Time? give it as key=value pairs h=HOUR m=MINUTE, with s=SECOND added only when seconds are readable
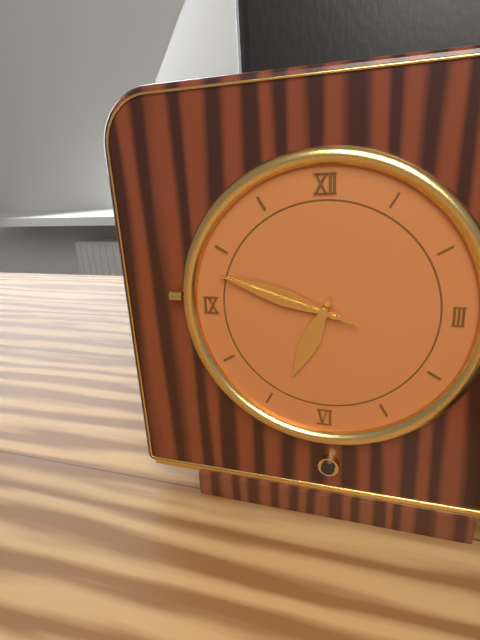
h=6 m=48 s=48
